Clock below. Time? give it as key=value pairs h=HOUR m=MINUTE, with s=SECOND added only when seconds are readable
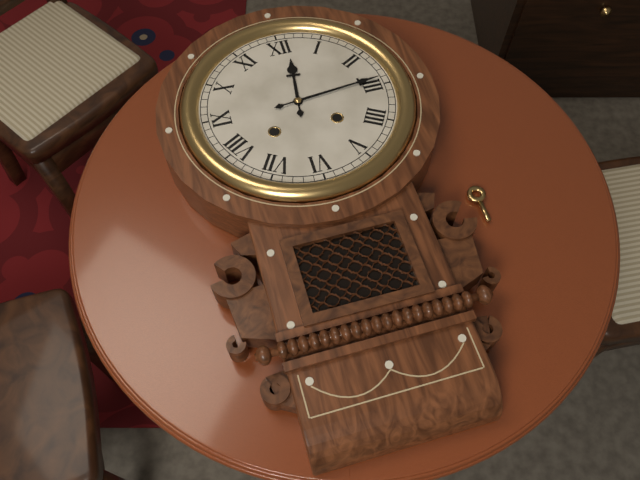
h=12 m=14
